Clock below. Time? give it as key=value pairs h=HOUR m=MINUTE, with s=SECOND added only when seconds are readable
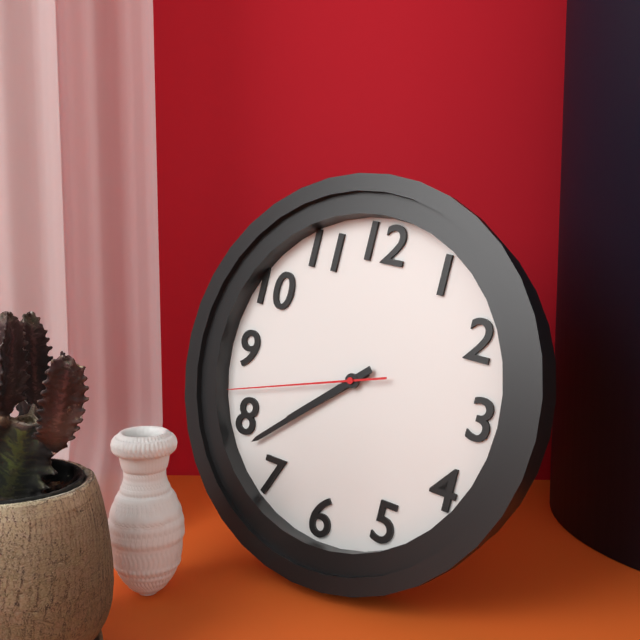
h=7 m=38 s=42
